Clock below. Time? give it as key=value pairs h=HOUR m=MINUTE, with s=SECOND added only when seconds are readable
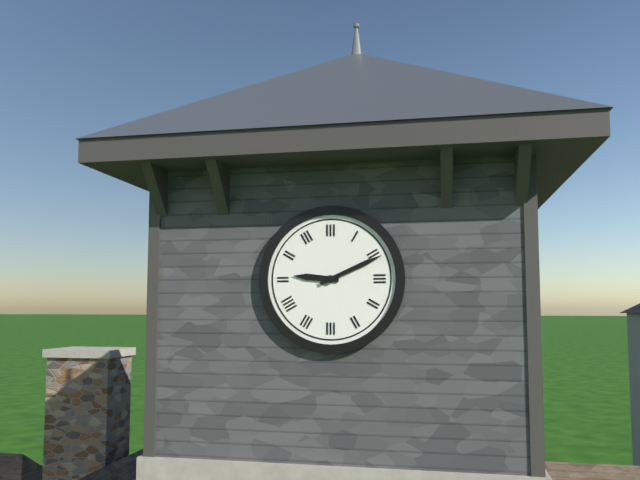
h=9 m=11
